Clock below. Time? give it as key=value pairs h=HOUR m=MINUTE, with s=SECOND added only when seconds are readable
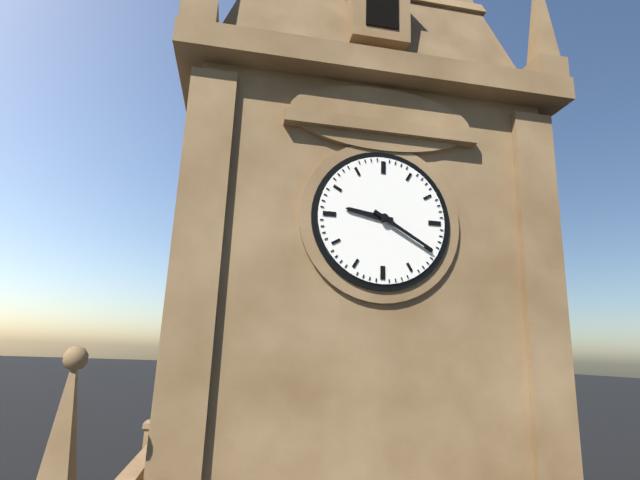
h=9 m=20
